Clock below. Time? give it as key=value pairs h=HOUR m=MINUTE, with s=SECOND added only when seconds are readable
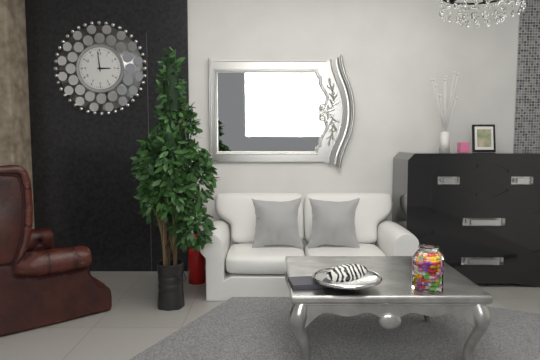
h=2 m=59
